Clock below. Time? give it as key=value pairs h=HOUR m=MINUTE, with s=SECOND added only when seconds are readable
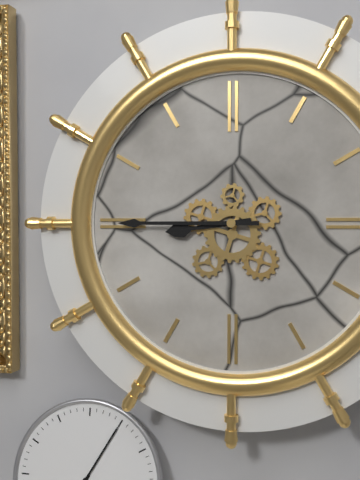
h=8 m=45
